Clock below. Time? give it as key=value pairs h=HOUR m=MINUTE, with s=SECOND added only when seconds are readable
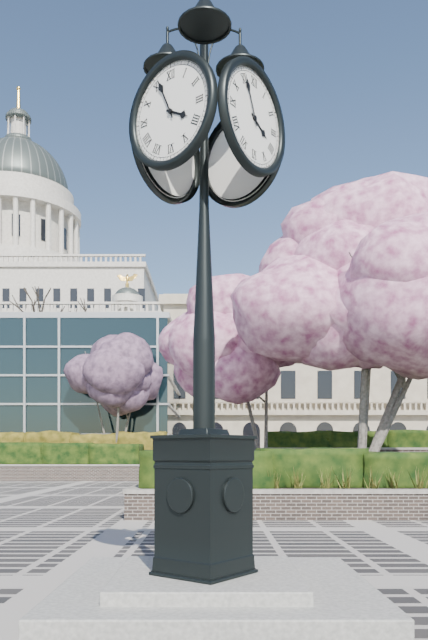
h=3 m=56
